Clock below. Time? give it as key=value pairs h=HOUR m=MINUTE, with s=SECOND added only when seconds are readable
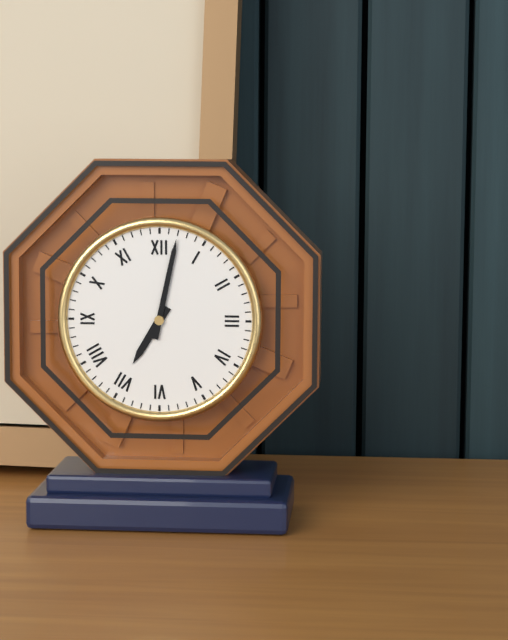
h=7 m=2
